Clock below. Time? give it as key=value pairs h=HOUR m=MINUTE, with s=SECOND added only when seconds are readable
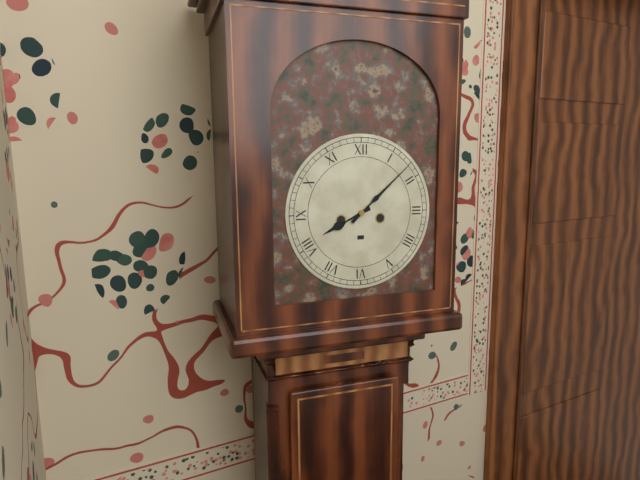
h=8 m=8
